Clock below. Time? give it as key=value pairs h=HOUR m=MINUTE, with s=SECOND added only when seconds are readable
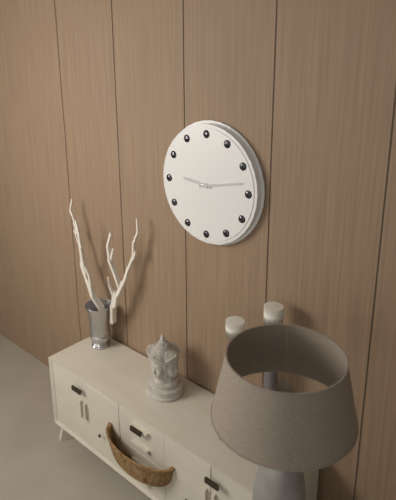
h=9 m=13
